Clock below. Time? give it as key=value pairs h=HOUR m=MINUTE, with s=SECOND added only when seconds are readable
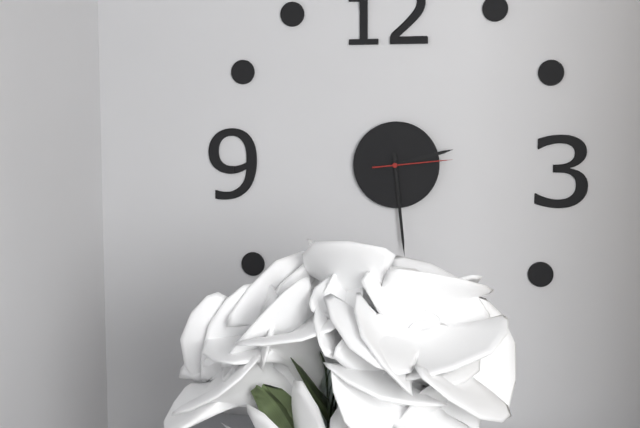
h=2 m=29 s=14
